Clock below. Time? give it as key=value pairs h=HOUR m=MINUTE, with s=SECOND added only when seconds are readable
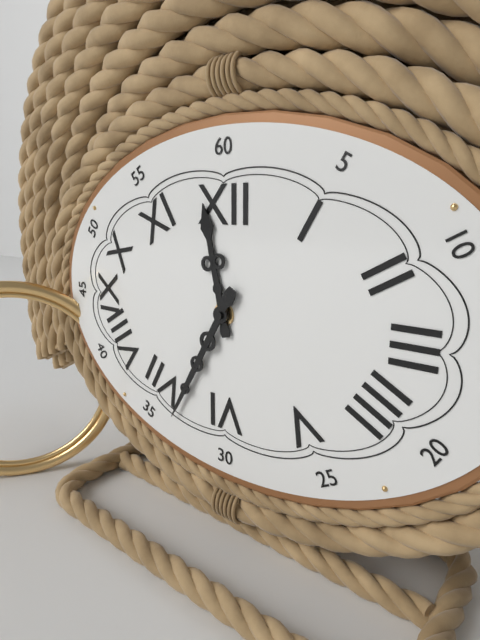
h=11 m=35
